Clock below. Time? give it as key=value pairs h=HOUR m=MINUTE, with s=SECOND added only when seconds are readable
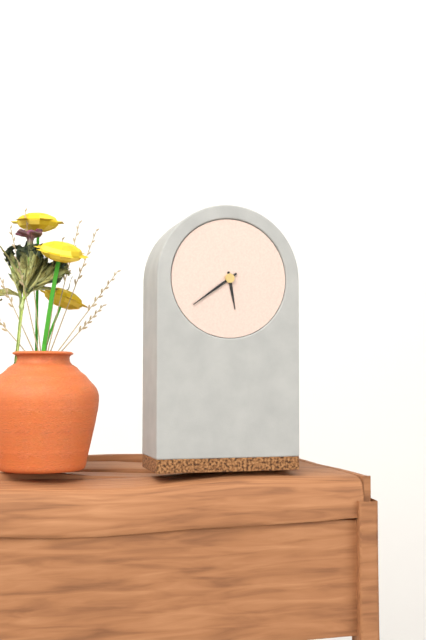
h=5 m=39
